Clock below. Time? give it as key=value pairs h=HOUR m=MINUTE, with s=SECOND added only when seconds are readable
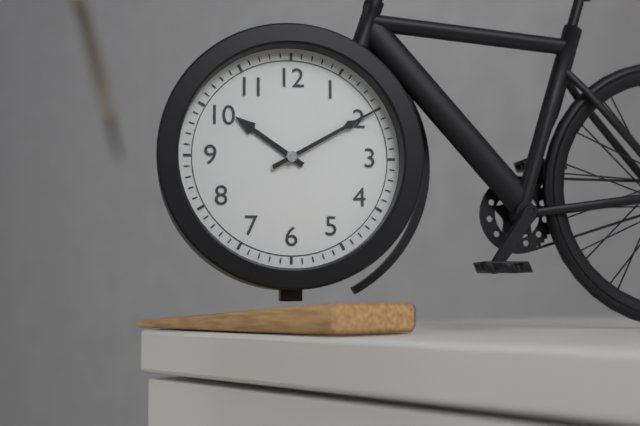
h=10 m=10
